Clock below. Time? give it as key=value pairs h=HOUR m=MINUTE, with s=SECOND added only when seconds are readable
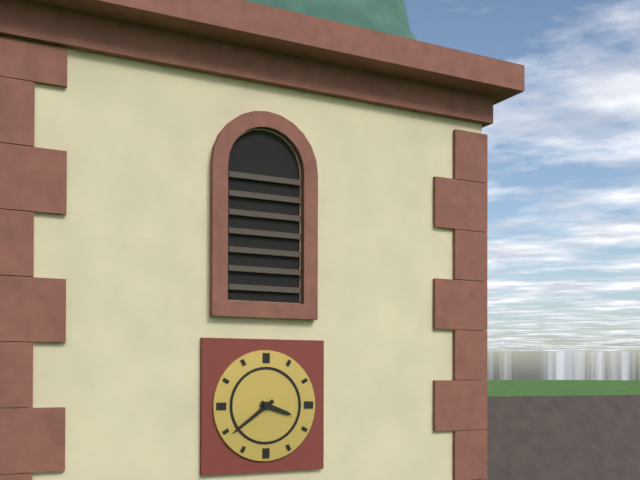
h=3 m=39
